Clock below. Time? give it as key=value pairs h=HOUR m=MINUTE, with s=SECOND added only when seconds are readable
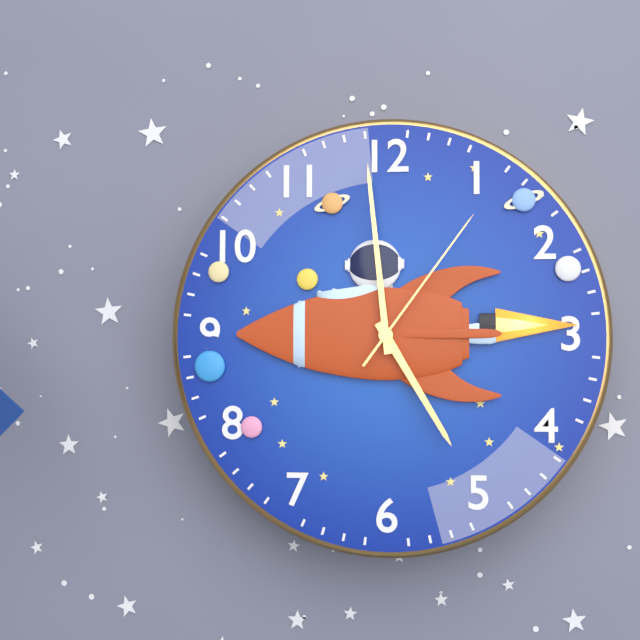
h=4 m=59 s=6
